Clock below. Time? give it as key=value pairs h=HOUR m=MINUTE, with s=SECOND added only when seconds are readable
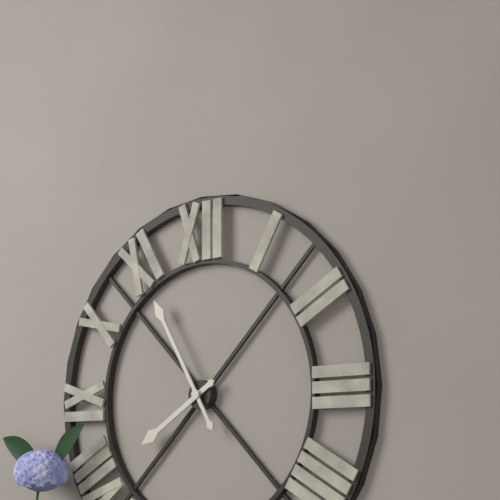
h=7 m=55
